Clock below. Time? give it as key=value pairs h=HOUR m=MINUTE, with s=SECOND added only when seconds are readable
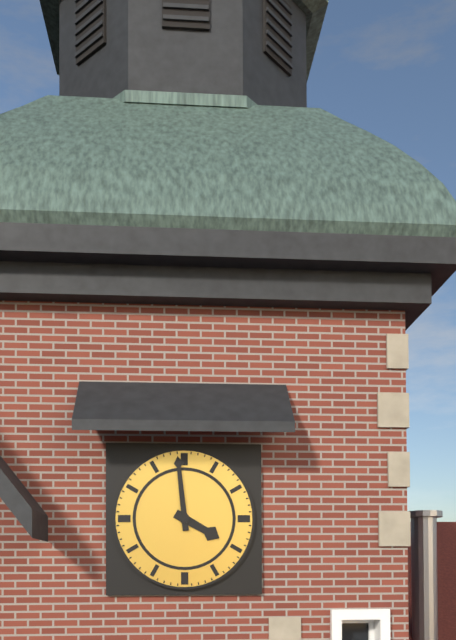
h=3 m=59
